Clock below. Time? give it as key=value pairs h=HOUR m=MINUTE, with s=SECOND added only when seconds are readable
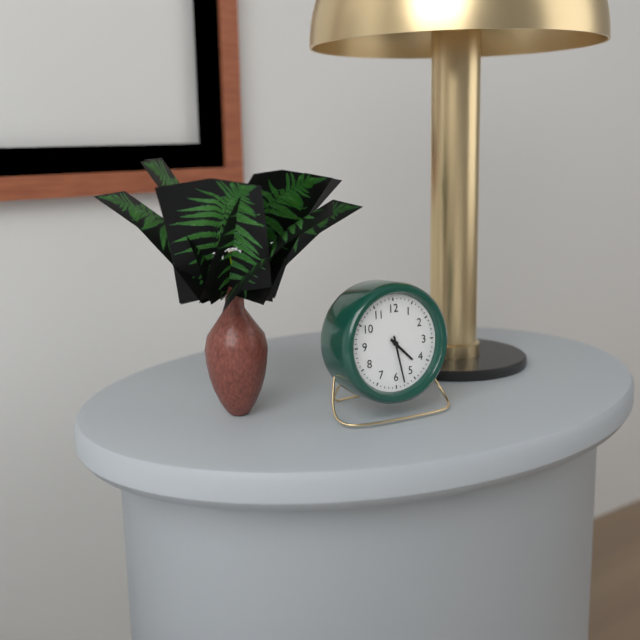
h=4 m=28
